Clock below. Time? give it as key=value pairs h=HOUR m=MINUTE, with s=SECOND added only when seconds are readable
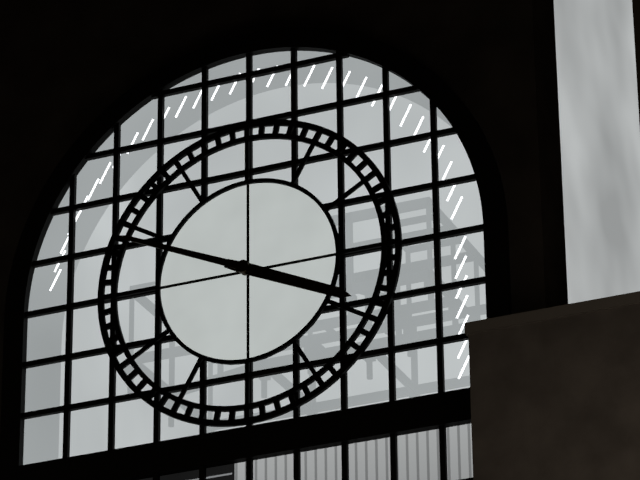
h=3 m=49
